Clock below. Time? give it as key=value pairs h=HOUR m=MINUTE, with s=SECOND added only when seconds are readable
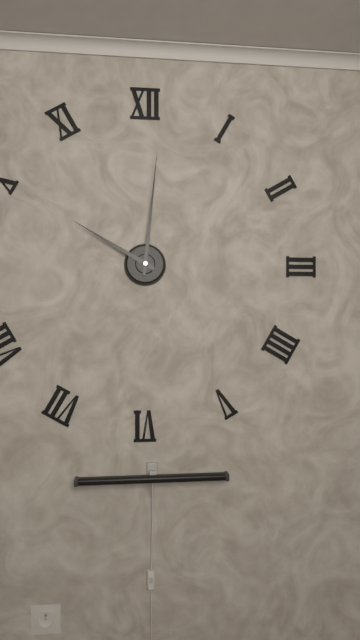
h=10 m=1
